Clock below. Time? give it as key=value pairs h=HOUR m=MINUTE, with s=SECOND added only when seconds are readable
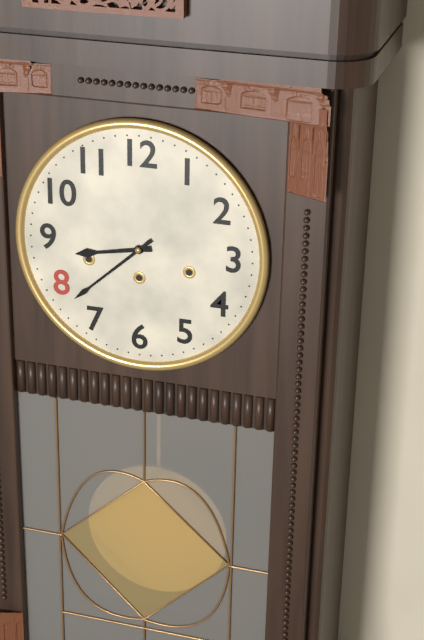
h=8 m=38
